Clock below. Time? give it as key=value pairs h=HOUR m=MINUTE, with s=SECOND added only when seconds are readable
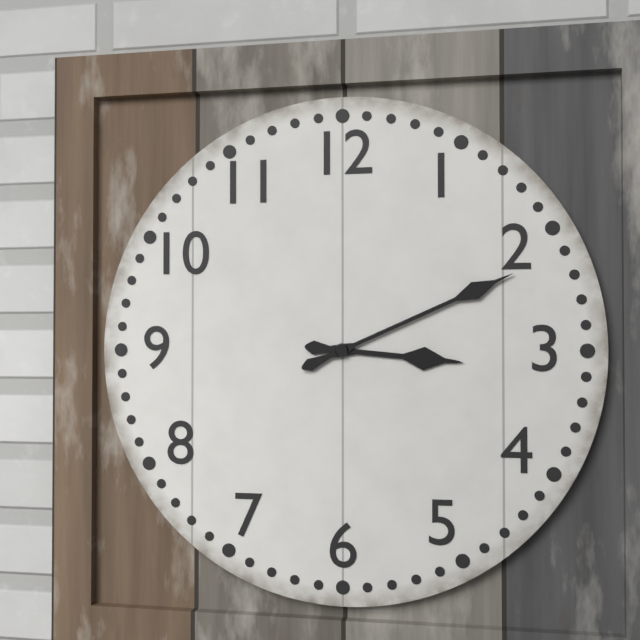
h=3 m=11
